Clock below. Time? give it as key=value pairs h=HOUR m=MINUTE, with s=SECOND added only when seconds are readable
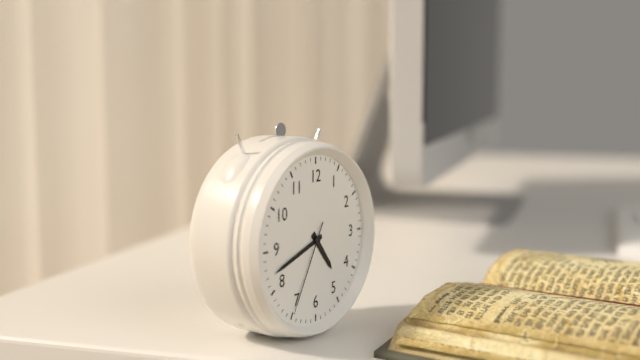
h=4 m=42 s=35
